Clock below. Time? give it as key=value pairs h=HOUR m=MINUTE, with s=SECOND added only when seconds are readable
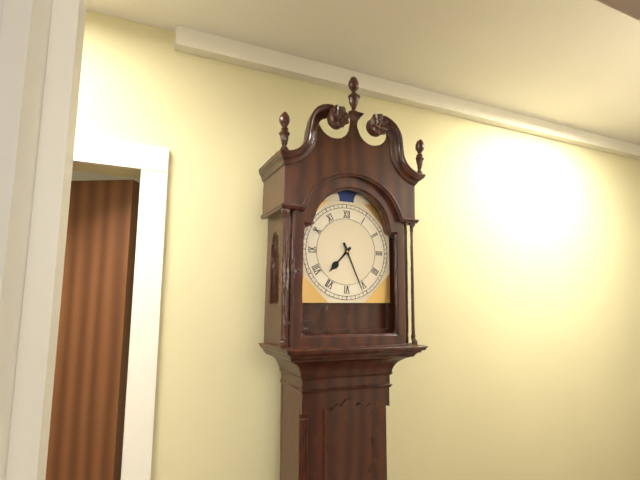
h=7 m=26
